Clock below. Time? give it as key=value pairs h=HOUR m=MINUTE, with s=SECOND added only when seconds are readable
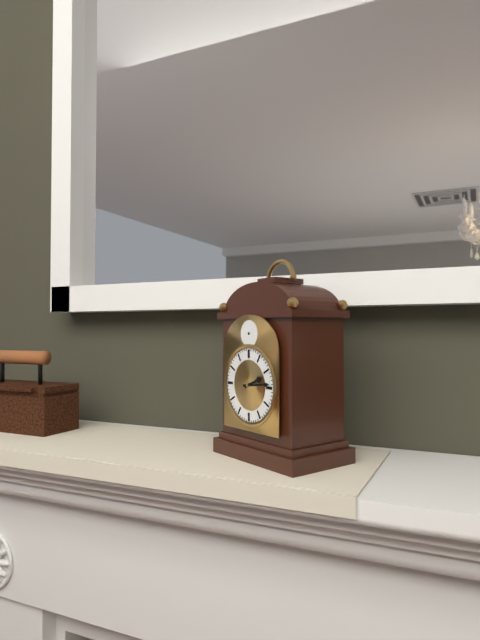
h=2 m=14
